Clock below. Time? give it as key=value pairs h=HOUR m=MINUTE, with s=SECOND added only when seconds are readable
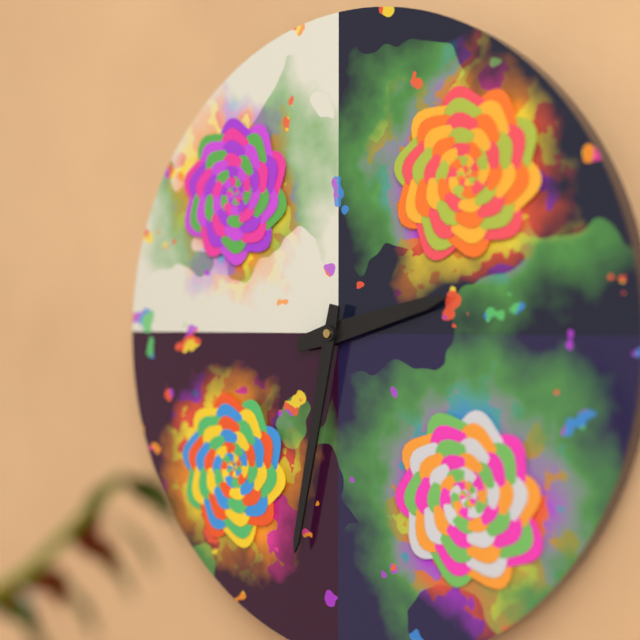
h=2 m=32
